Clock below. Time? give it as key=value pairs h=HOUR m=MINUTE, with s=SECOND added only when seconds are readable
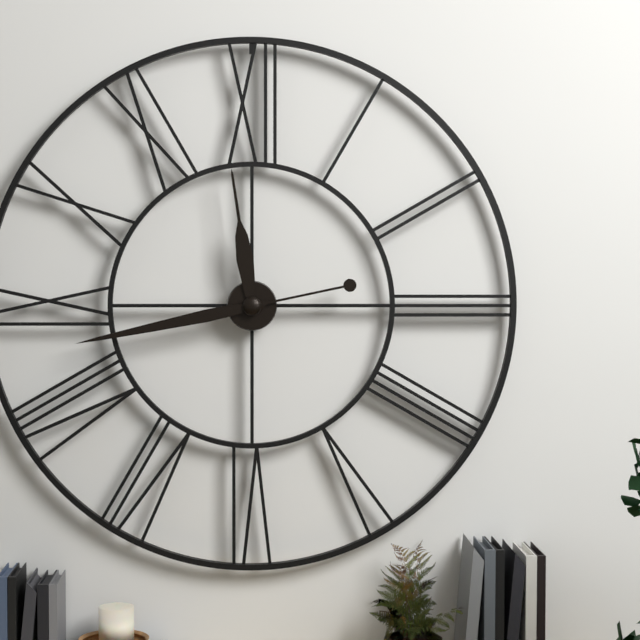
h=11 m=43
